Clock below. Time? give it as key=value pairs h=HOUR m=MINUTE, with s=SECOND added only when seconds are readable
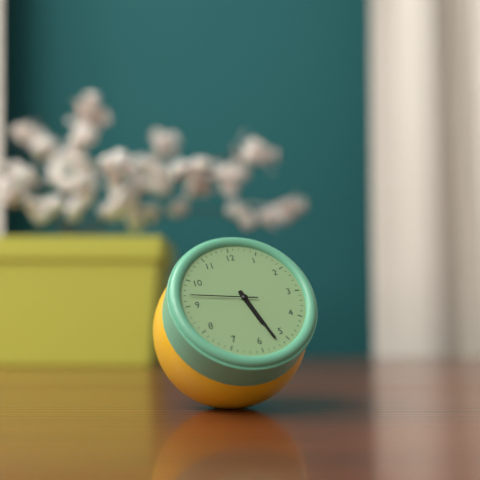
h=5 m=27 s=47
